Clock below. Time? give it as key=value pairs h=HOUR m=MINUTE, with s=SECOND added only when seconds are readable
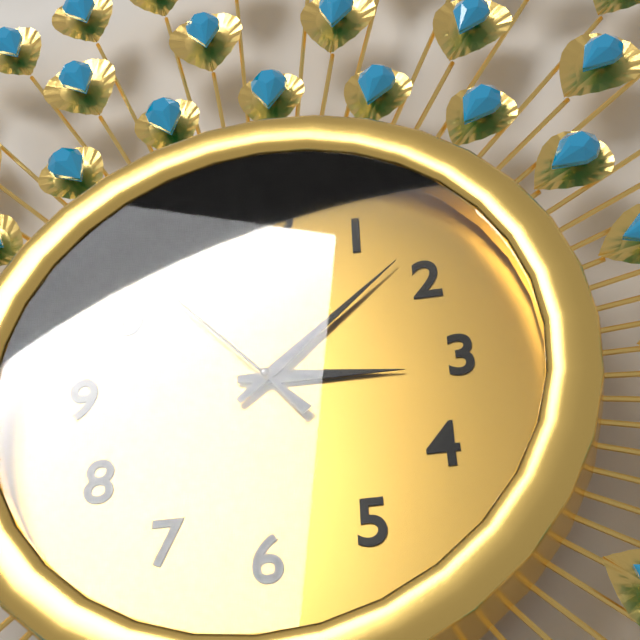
h=3 m=8 s=53
